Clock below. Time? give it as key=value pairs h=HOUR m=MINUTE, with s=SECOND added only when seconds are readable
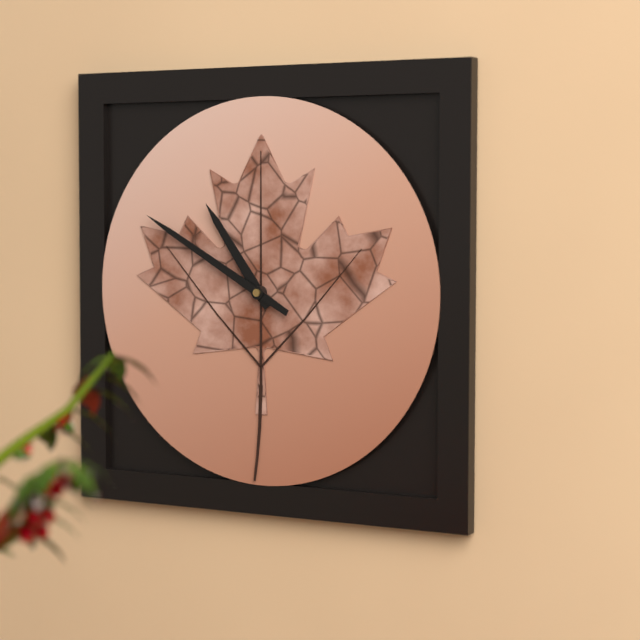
h=10 m=50
